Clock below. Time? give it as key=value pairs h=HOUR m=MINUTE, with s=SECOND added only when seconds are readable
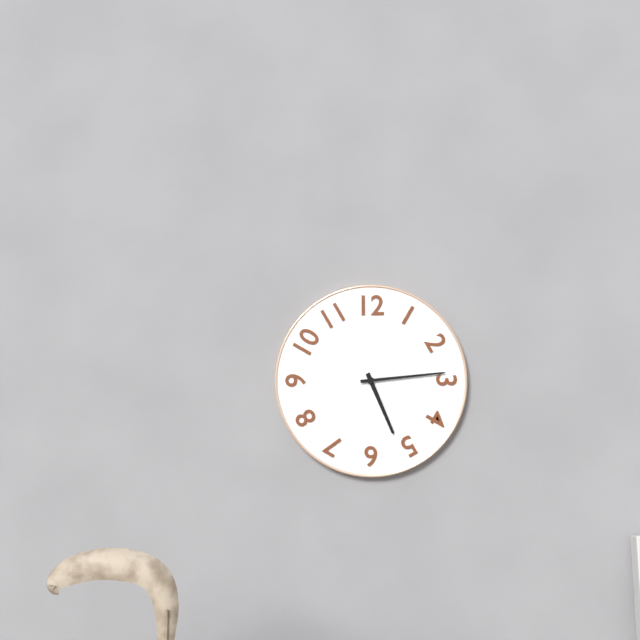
h=5 m=14
